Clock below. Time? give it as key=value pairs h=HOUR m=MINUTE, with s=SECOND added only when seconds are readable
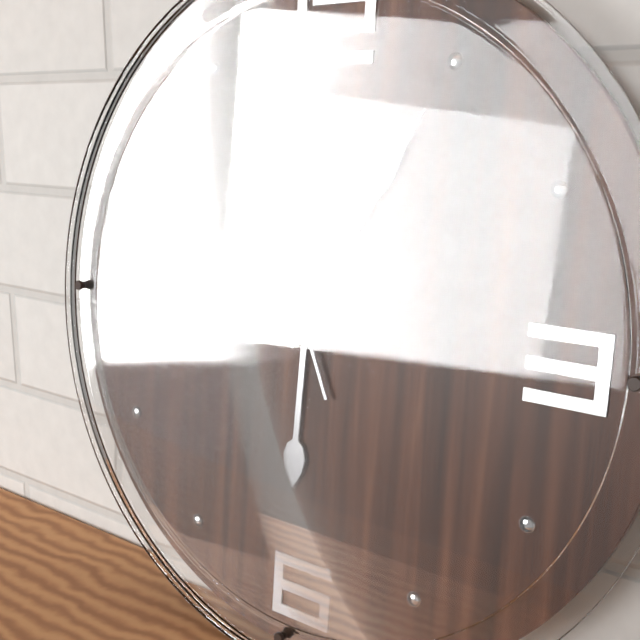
h=6 m=5 s=56
